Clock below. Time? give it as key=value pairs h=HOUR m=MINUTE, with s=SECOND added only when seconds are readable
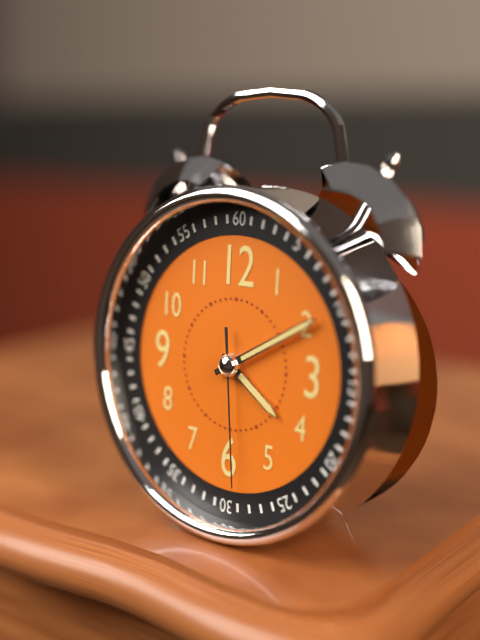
h=4 m=10 s=29
